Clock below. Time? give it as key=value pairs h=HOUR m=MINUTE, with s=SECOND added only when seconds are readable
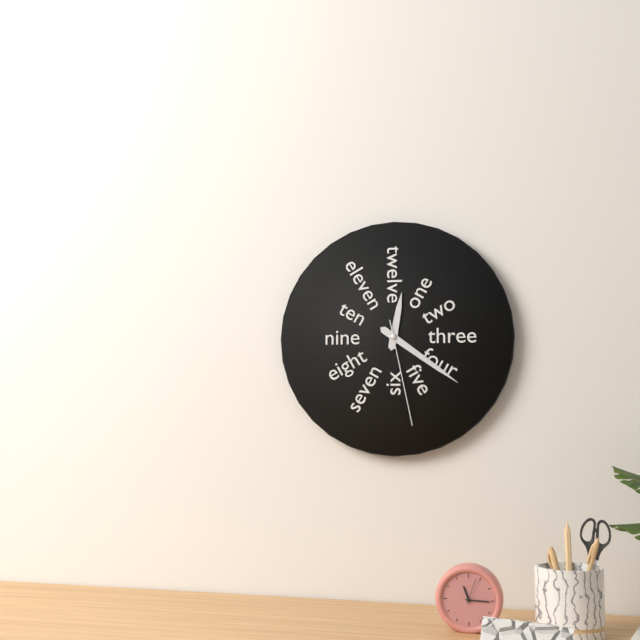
h=12 m=21 s=28
